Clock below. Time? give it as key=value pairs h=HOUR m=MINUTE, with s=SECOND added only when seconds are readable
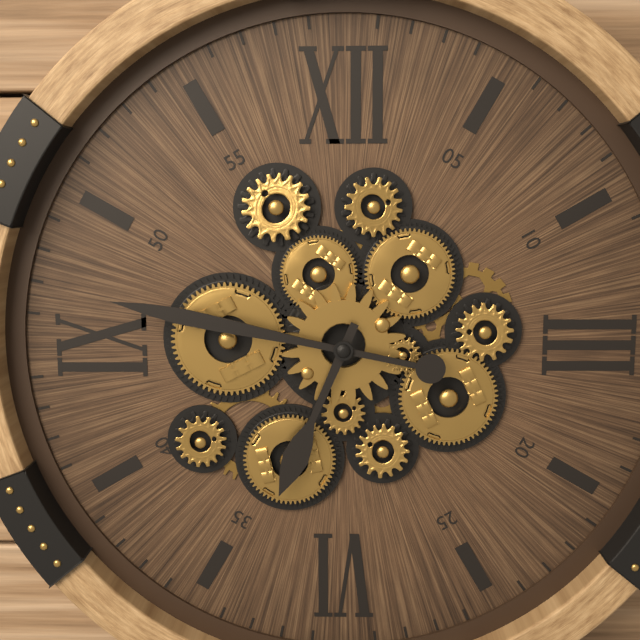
h=6 m=47
